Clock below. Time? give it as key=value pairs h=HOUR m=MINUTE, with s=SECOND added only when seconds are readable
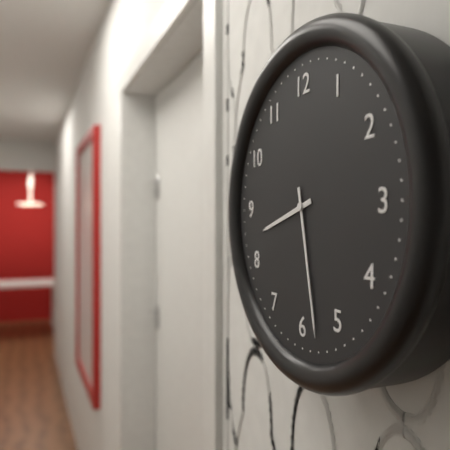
h=8 m=28
